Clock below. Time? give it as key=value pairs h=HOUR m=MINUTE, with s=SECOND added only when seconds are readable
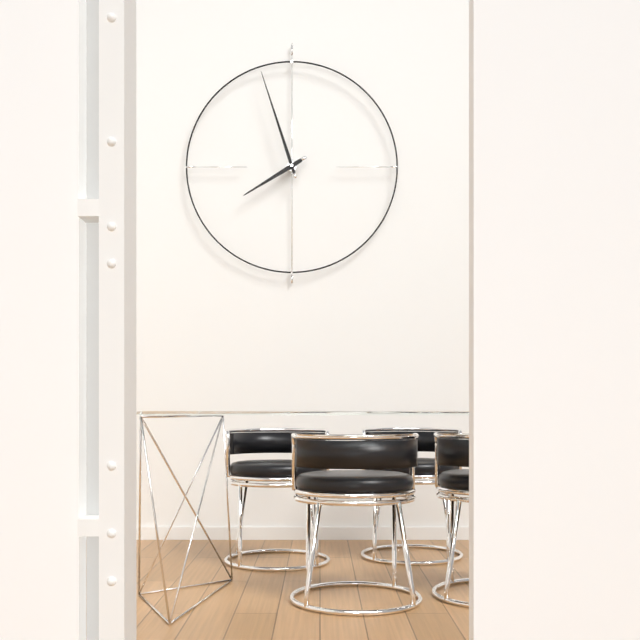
h=7 m=57
